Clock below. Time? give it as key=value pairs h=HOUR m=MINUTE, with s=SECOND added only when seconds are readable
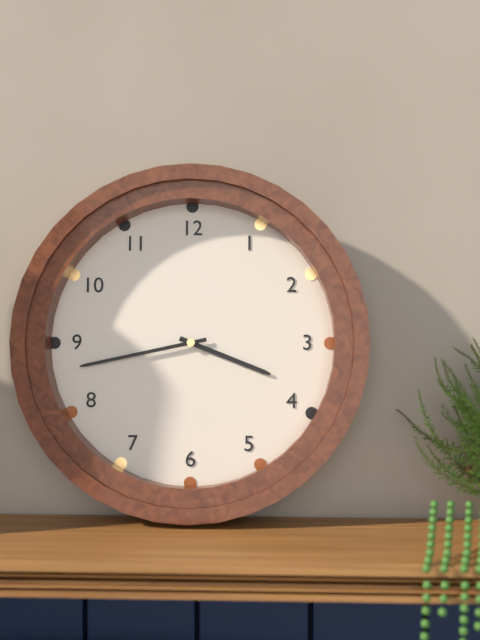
h=3 m=43
